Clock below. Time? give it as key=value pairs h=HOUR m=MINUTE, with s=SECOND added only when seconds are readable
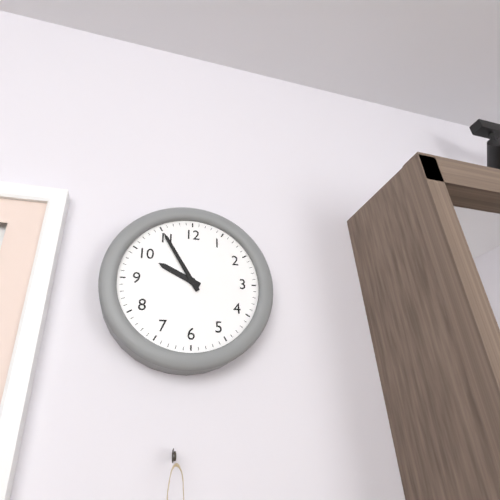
h=9 m=55
